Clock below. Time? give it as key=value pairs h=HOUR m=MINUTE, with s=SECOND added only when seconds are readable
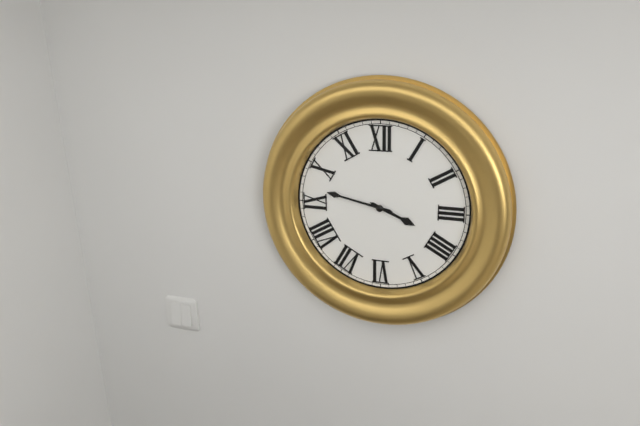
h=3 m=47
